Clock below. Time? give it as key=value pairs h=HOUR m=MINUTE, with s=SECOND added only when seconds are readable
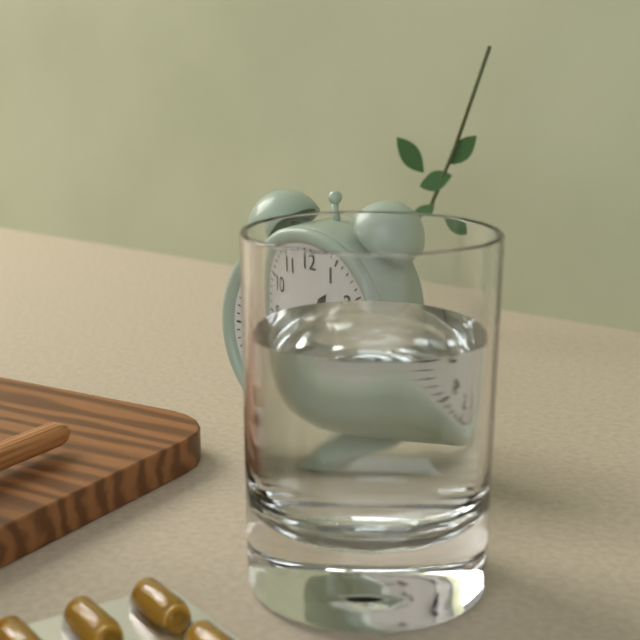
h=1 m=11 s=27
